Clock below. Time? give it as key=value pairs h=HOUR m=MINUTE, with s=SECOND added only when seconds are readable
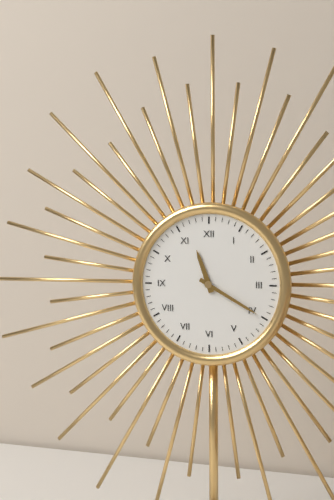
h=11 m=20
